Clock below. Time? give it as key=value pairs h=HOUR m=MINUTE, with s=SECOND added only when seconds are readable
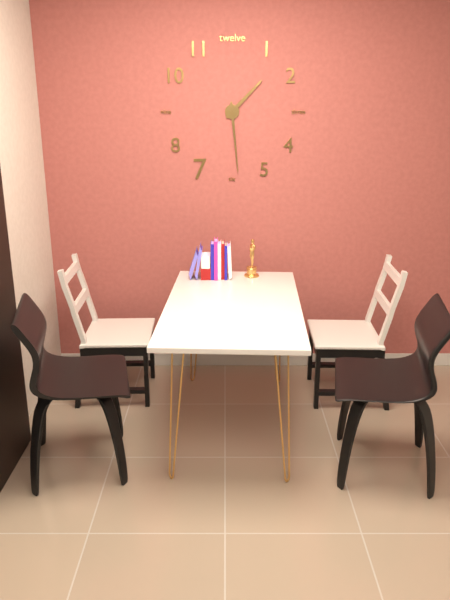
h=1 m=29
